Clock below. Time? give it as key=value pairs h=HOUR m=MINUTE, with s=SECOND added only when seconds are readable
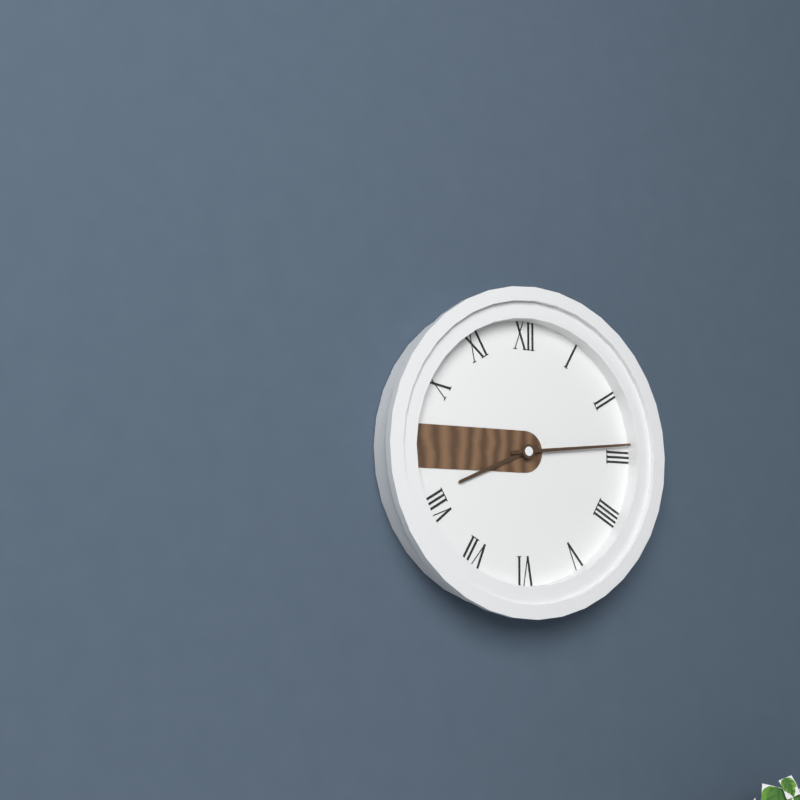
h=8 m=14
